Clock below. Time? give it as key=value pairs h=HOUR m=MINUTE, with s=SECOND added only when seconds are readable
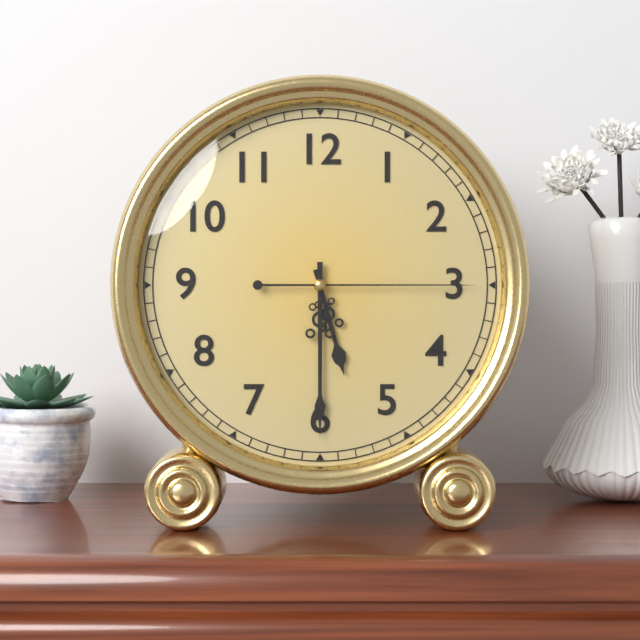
h=5 m=30 s=15
